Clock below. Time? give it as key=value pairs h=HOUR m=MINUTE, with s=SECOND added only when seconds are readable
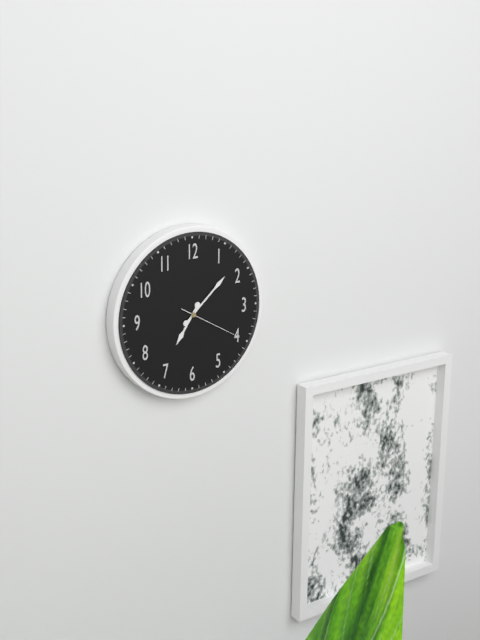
h=7 m=8 s=20
